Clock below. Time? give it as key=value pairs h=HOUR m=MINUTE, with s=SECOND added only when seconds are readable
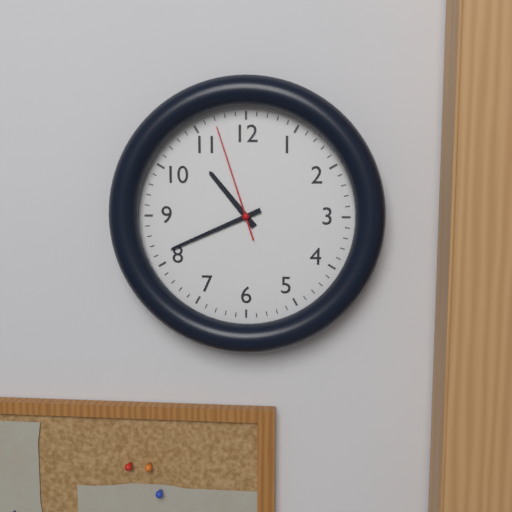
h=10 m=41 s=57
